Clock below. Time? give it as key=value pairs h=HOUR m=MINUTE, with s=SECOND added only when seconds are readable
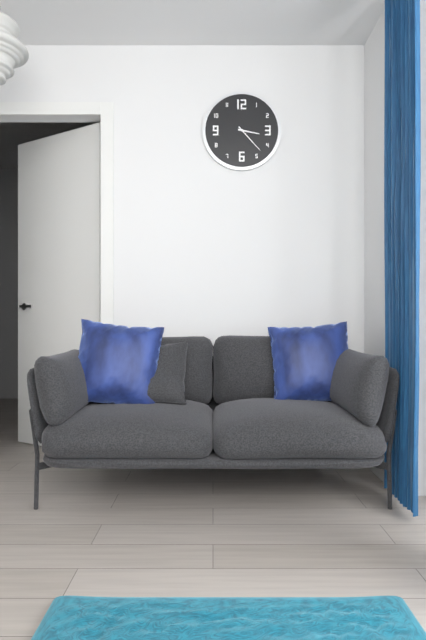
h=3 m=23
